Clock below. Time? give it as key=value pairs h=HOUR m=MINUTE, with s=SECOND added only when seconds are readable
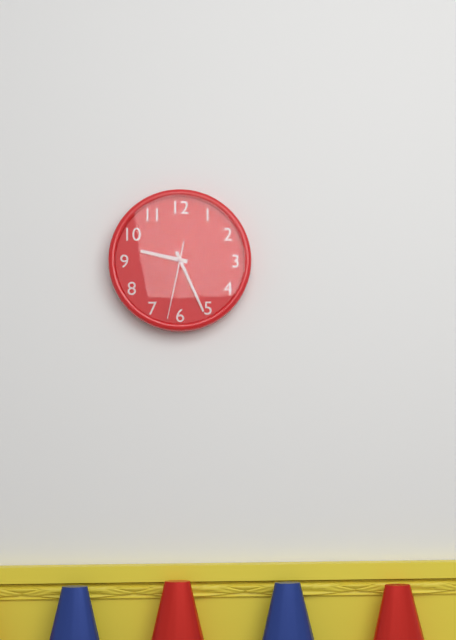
h=9 m=26 s=32
